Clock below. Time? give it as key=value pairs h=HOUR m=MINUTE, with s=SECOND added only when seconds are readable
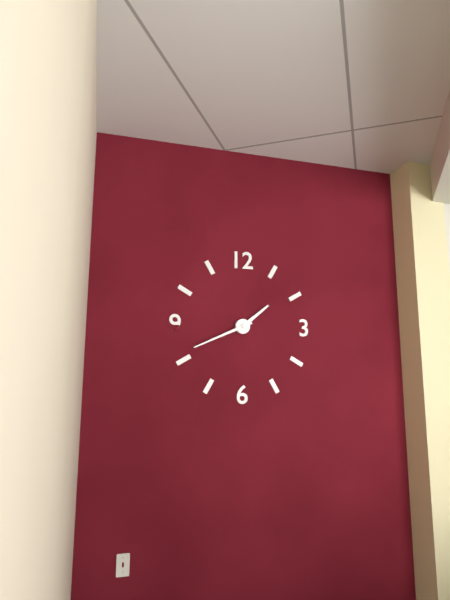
h=1 m=41
